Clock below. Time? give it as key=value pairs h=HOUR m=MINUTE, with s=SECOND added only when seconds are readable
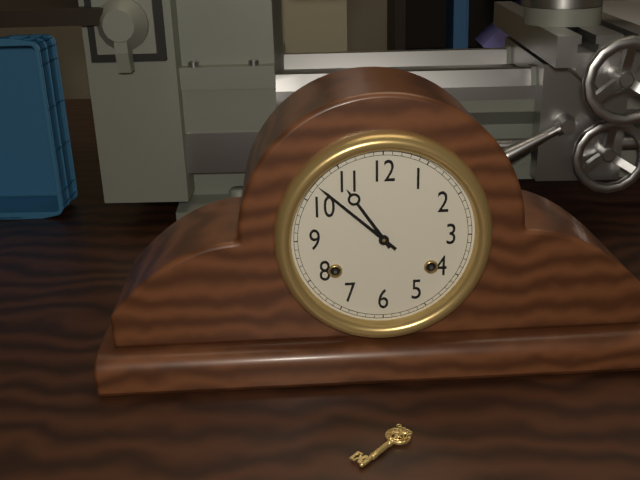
h=10 m=52
